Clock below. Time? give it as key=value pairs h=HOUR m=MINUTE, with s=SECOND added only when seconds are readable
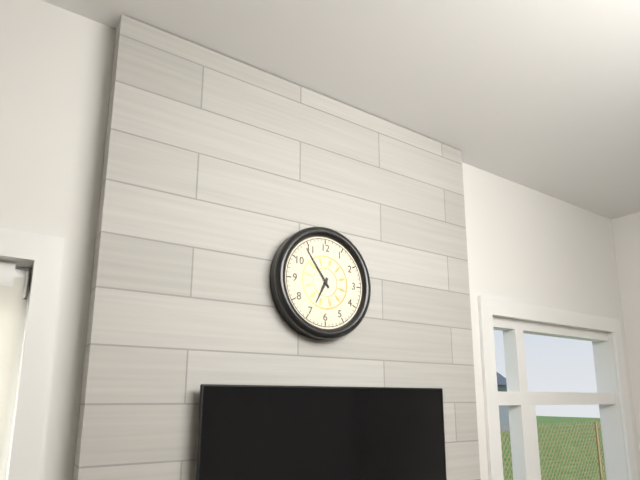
h=6 m=54
